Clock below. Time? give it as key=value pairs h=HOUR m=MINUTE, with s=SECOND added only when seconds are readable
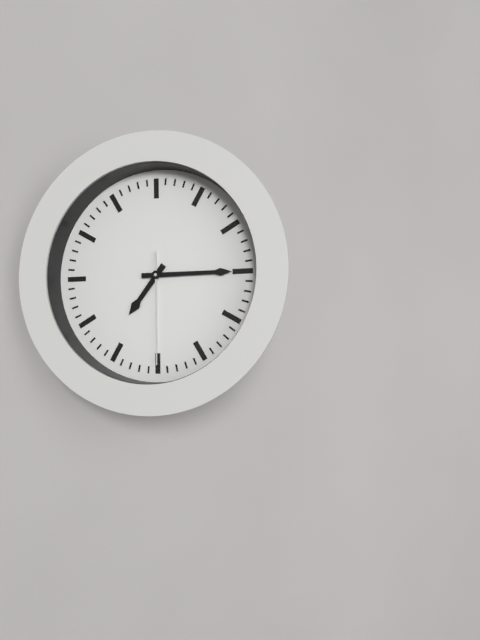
h=7 m=15 s=30
